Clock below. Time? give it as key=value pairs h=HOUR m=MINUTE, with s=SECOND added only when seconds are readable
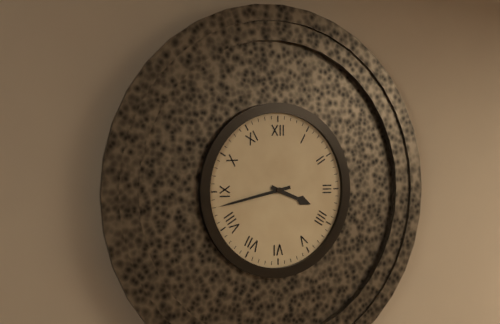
h=3 m=43
